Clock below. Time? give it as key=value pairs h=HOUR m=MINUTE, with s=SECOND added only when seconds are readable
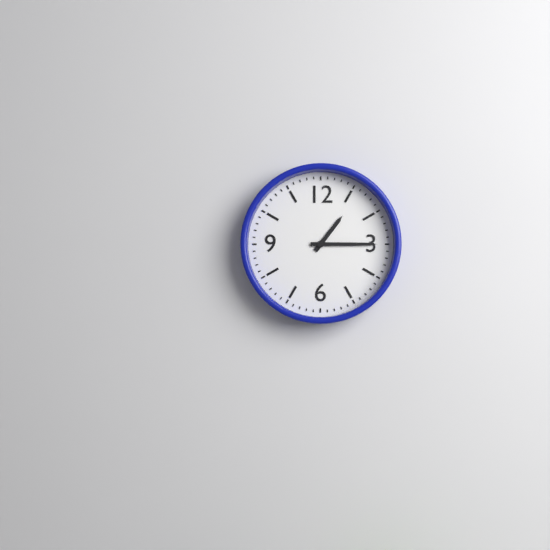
h=1 m=15
